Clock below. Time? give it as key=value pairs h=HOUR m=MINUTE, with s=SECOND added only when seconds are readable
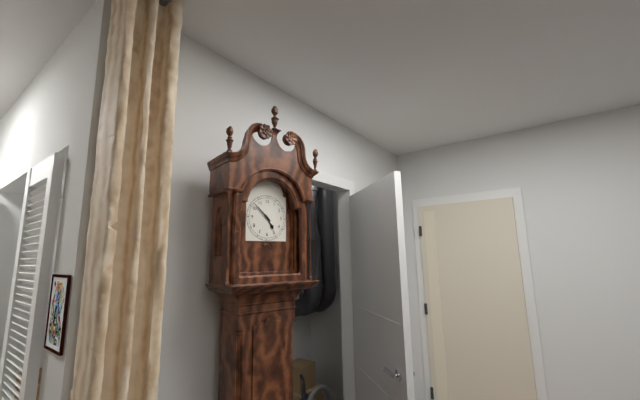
h=4 m=52
